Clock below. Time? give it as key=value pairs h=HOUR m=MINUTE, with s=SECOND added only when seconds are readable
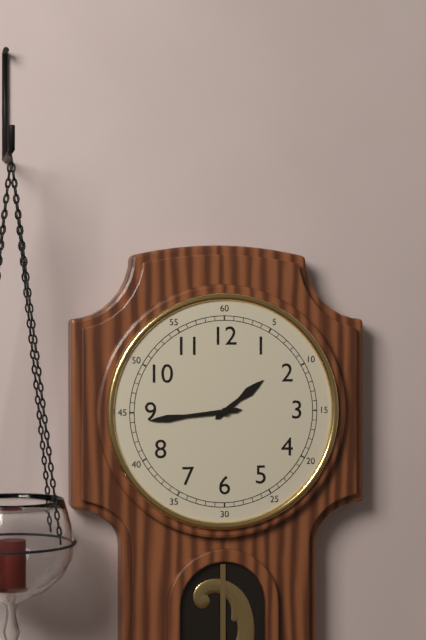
h=1 m=44
